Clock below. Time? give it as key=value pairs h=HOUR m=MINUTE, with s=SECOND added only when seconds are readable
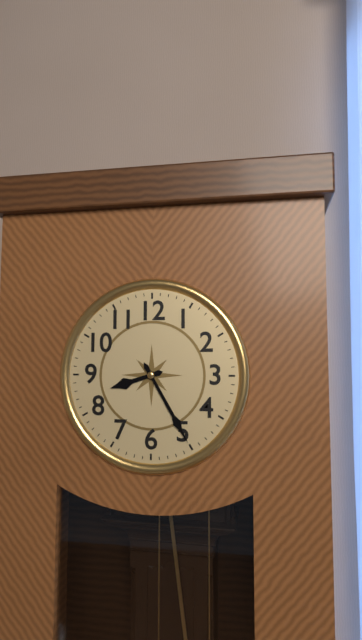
h=8 m=25
